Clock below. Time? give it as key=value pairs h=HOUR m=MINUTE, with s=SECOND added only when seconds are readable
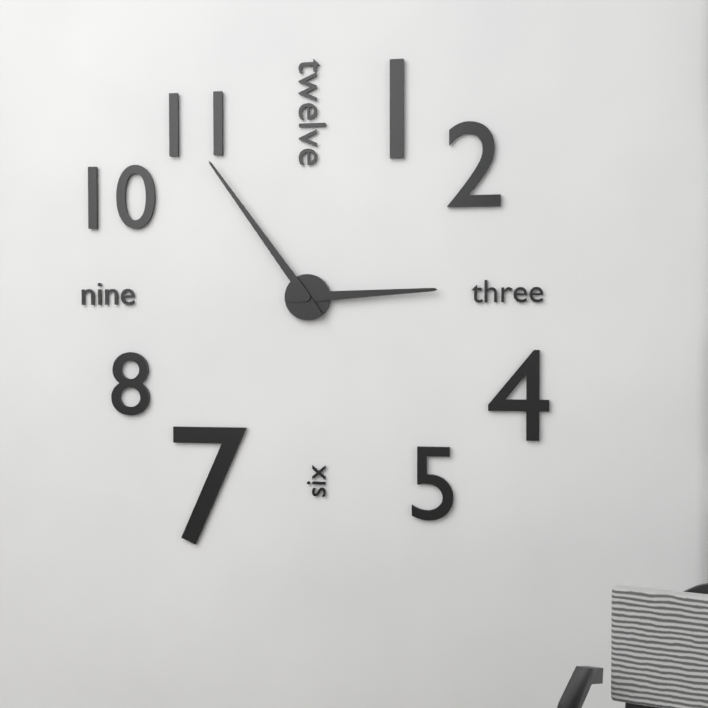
h=2 m=54
